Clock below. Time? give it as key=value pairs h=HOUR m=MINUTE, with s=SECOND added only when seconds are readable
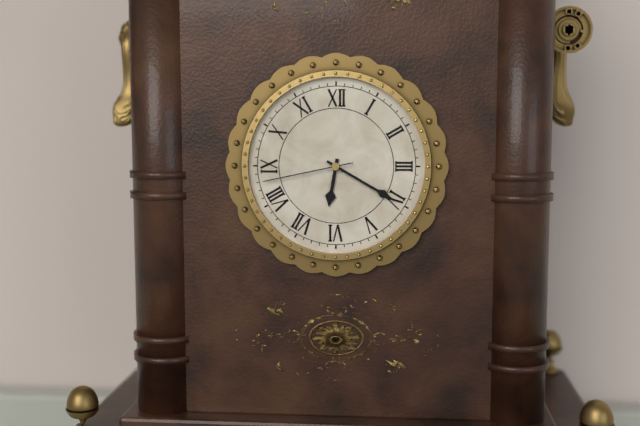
h=6 m=20 s=43
